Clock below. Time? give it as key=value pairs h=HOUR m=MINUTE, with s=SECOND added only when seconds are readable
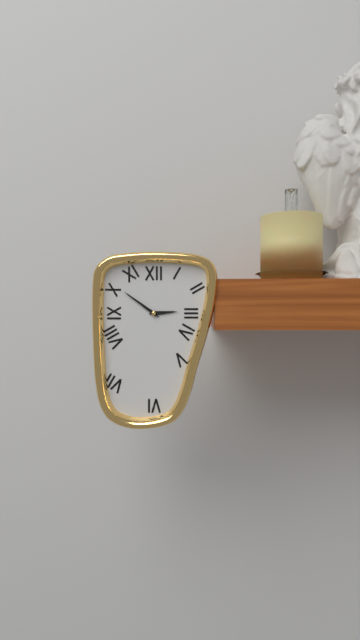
h=2 m=51
